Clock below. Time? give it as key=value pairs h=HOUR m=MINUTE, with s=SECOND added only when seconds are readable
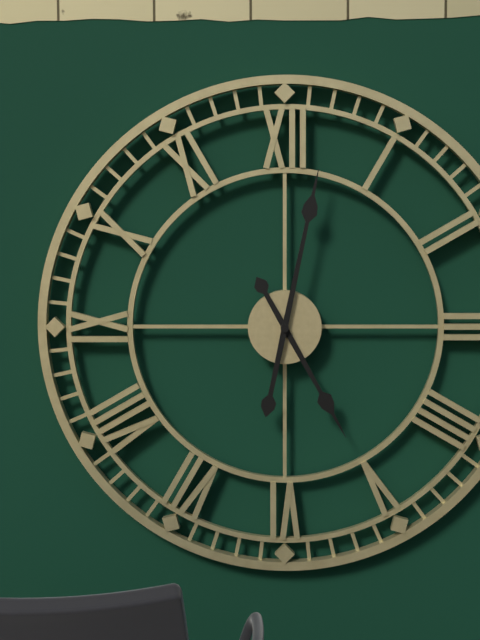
h=5 m=2
